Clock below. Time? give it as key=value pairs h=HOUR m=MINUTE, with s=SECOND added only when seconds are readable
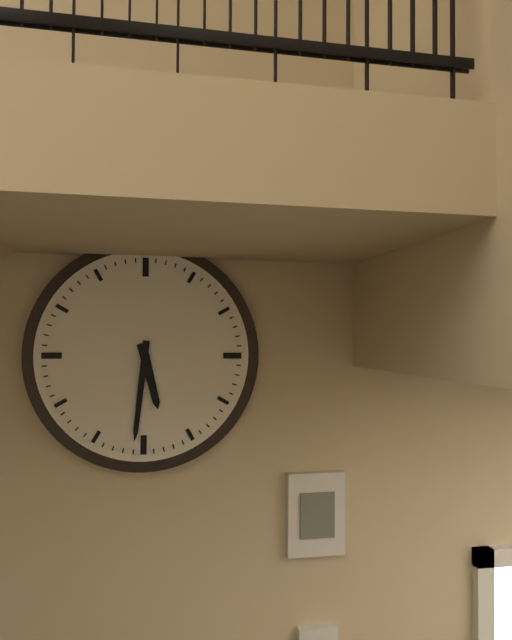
h=5 m=31
